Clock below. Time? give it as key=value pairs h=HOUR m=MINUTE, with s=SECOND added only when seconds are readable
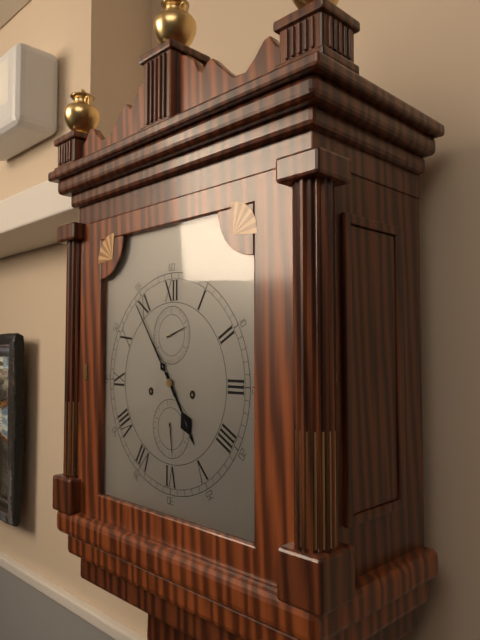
h=4 m=54
